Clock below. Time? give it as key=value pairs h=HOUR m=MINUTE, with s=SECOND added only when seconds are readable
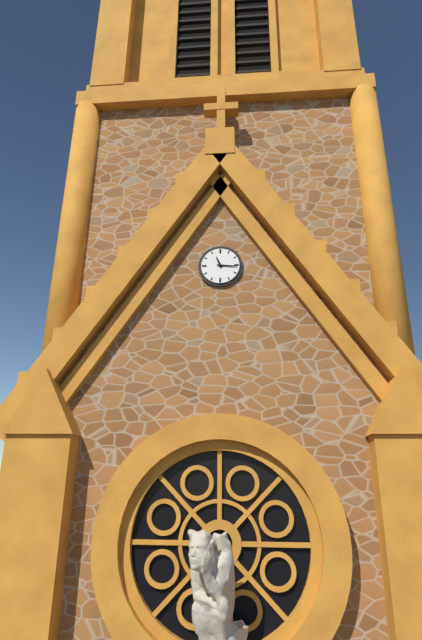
h=11 m=16
